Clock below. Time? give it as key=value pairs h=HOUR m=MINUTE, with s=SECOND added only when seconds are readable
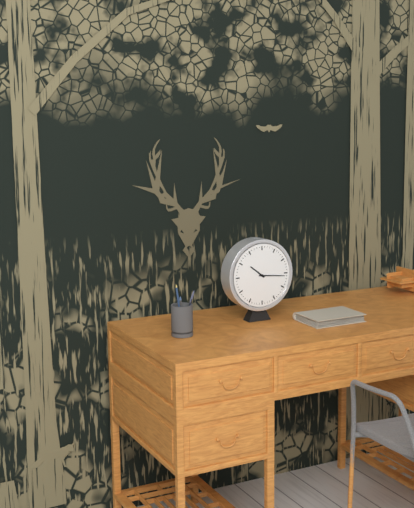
h=10 m=16
